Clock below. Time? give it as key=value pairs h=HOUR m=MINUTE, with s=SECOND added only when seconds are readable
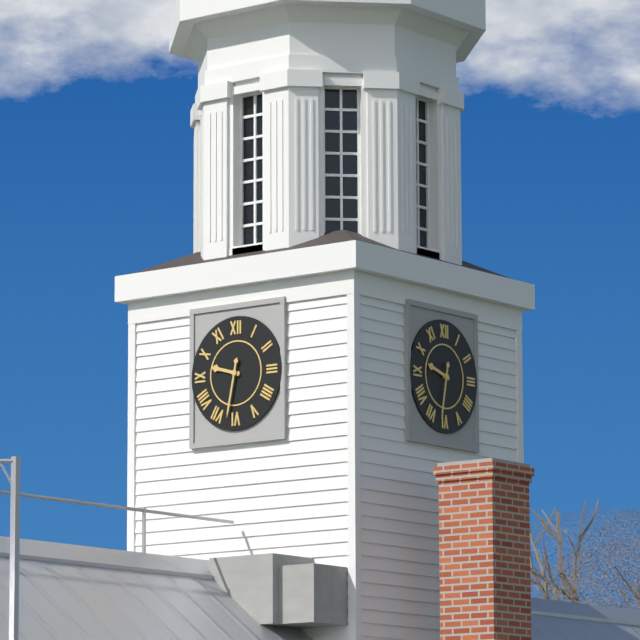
h=9 m=32
